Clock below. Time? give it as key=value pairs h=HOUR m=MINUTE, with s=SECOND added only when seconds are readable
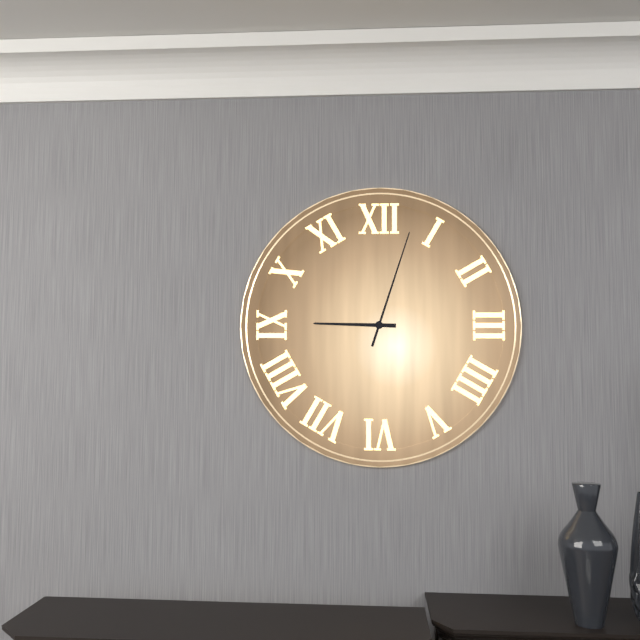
h=9 m=3
